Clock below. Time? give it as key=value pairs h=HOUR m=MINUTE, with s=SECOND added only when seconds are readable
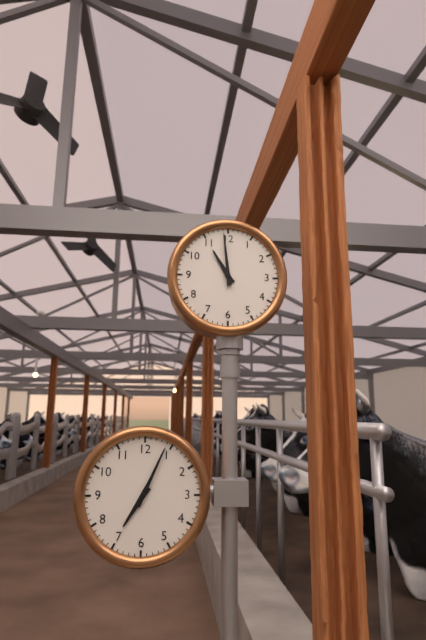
h=10 m=59
